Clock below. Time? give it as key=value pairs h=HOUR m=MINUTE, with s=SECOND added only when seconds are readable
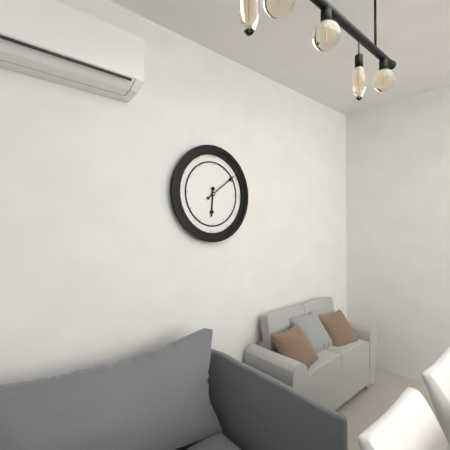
h=6 m=9
